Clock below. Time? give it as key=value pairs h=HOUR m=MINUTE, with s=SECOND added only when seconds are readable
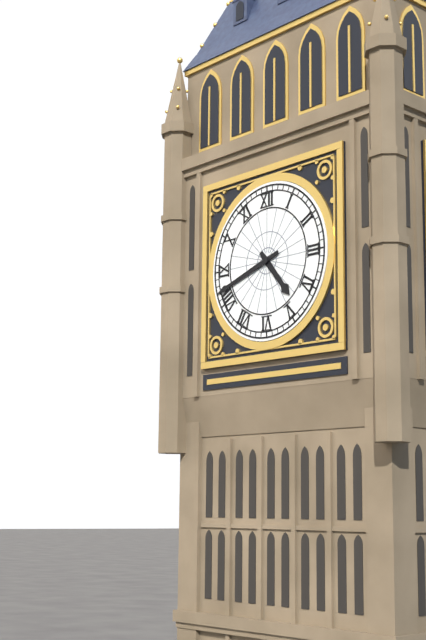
h=4 m=42
